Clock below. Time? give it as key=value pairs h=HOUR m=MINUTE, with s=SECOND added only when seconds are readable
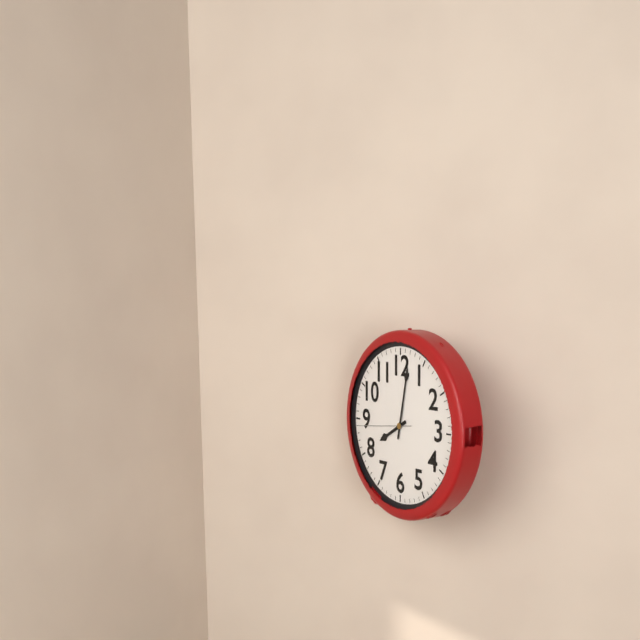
h=8 m=2 s=44
